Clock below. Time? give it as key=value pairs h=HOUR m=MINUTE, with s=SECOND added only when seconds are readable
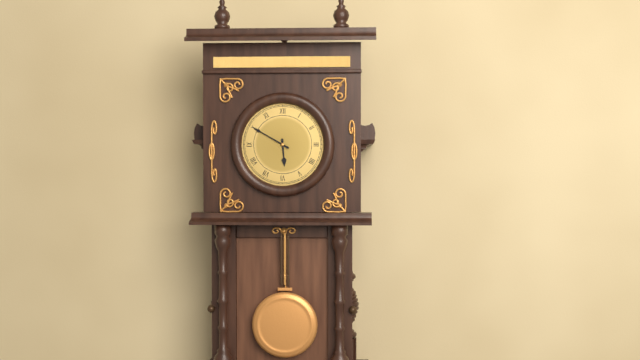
h=5 m=50
